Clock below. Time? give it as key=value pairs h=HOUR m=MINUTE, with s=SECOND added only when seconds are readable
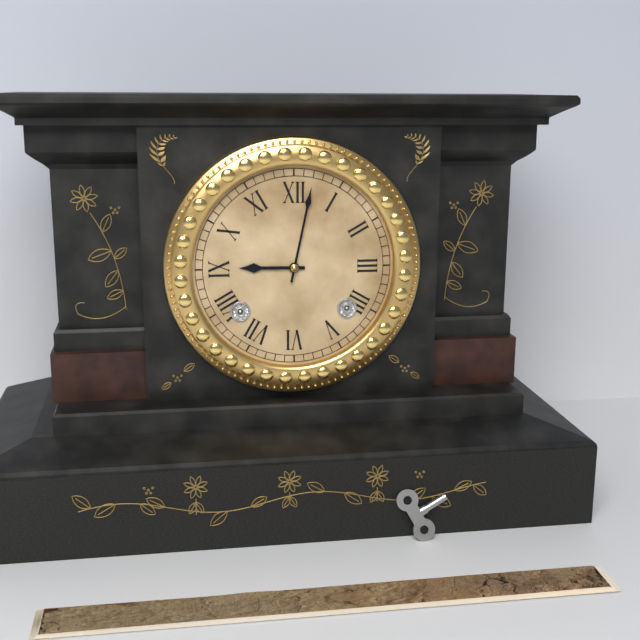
h=9 m=2
